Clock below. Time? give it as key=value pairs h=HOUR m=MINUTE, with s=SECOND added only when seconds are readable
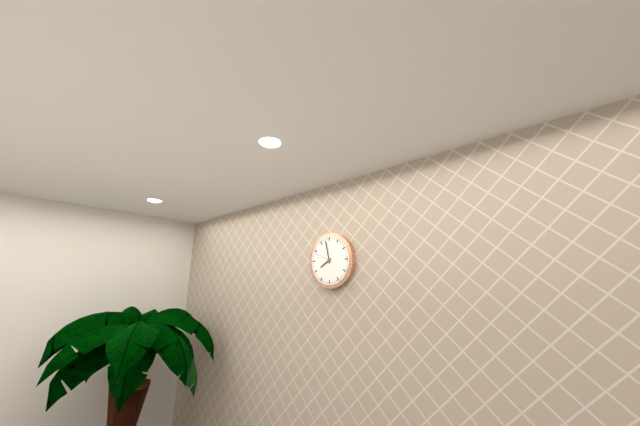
h=7 m=58
